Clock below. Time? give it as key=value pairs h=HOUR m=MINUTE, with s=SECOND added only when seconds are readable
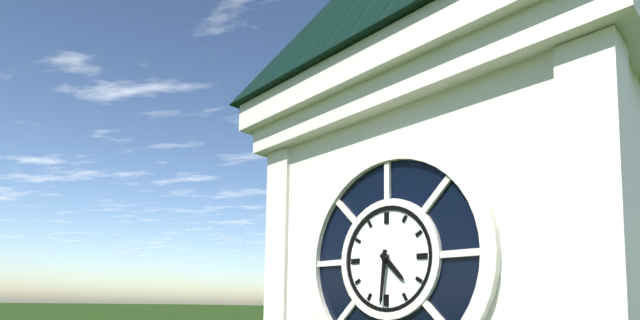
h=4 m=31
